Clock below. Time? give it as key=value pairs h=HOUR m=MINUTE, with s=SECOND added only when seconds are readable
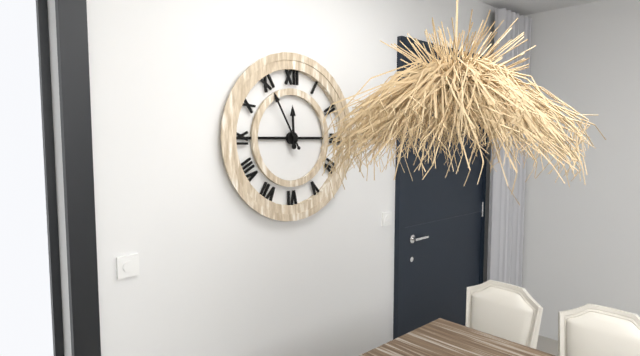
h=11 m=55
